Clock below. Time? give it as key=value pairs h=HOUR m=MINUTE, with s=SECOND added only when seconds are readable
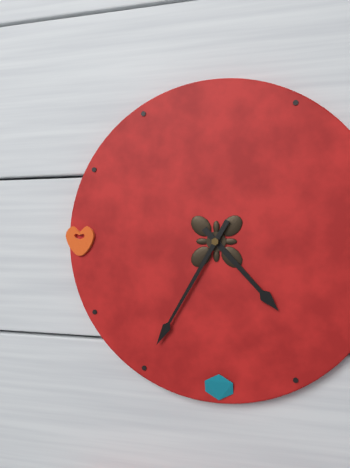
h=4 m=35
